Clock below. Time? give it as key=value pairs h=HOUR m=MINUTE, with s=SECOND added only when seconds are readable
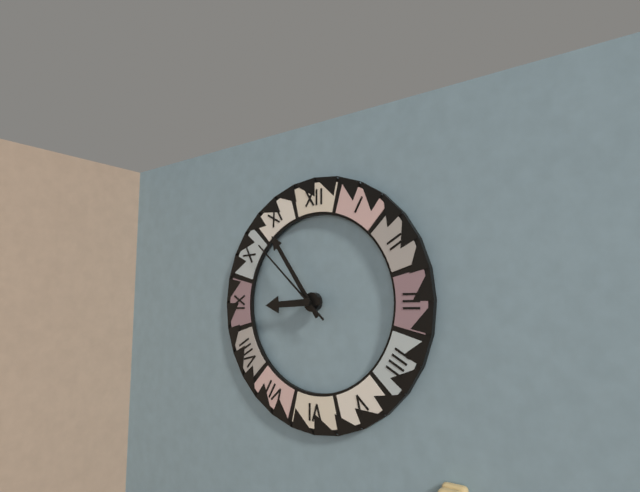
h=8 m=54 s=52
